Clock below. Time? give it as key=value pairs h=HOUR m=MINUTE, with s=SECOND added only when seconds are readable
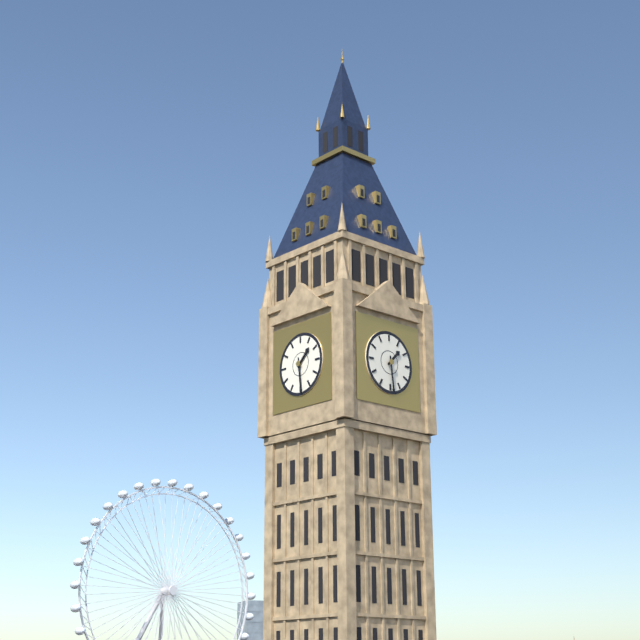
h=1 m=29
